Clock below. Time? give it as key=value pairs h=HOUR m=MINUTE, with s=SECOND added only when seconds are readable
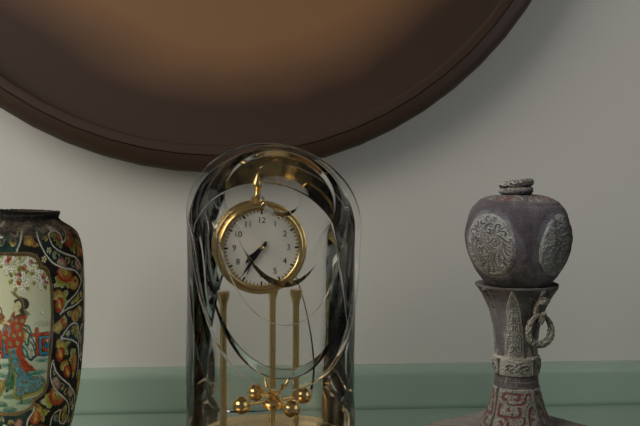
h=7 m=36
